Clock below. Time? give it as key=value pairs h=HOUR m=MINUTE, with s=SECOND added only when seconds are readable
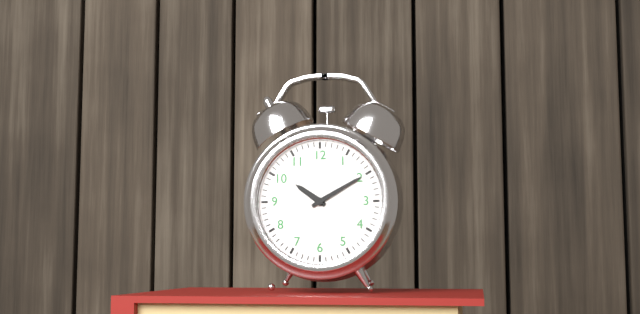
h=10 m=10
